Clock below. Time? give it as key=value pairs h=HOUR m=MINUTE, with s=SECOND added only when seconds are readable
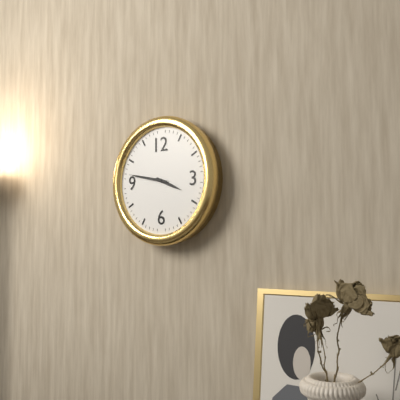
h=3 m=47
